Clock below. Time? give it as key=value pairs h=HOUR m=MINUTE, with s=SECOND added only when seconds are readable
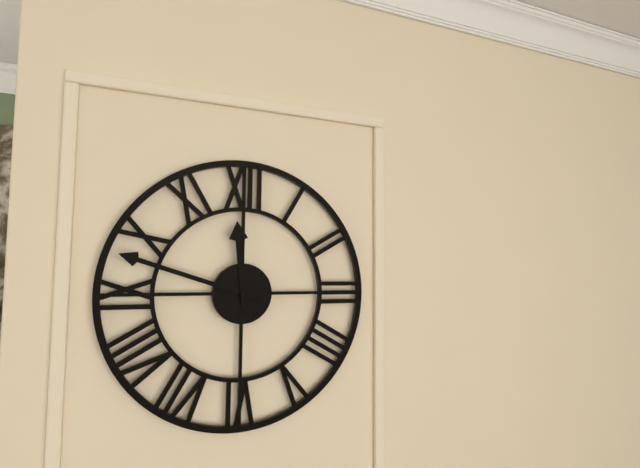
h=11 m=48
